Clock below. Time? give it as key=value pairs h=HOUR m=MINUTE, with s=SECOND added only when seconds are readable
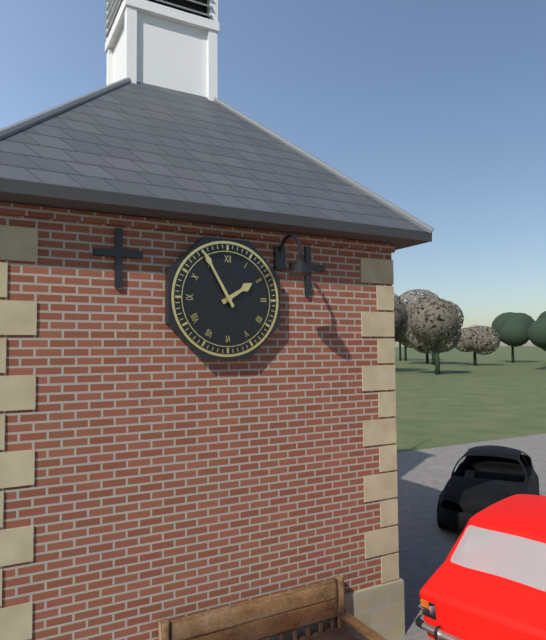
h=1 m=55
